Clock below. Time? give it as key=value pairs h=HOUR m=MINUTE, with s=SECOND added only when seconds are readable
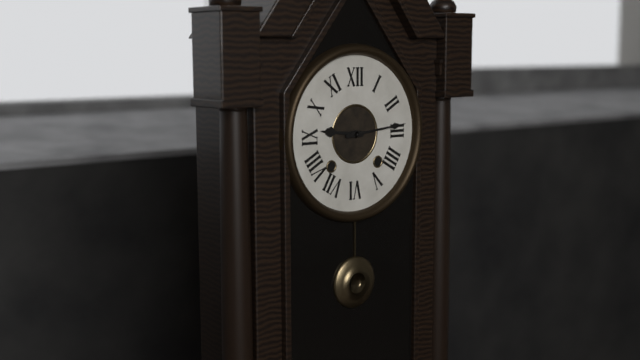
h=9 m=14
